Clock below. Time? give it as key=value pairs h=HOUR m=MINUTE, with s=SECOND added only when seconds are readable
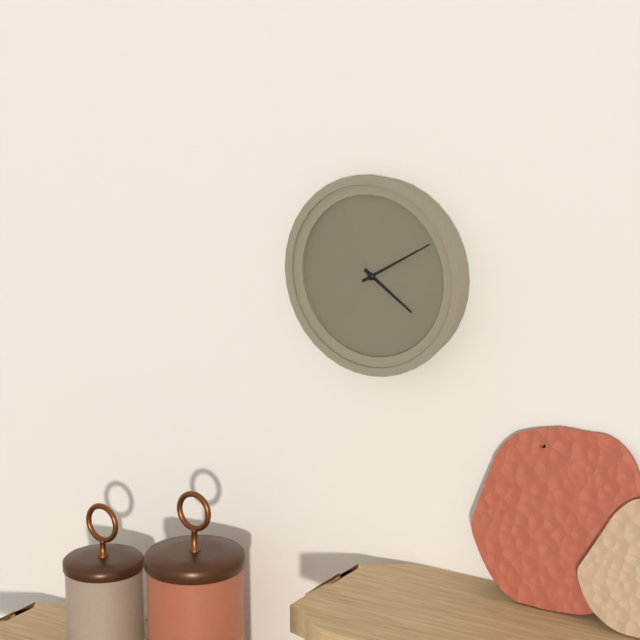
h=4 m=10
